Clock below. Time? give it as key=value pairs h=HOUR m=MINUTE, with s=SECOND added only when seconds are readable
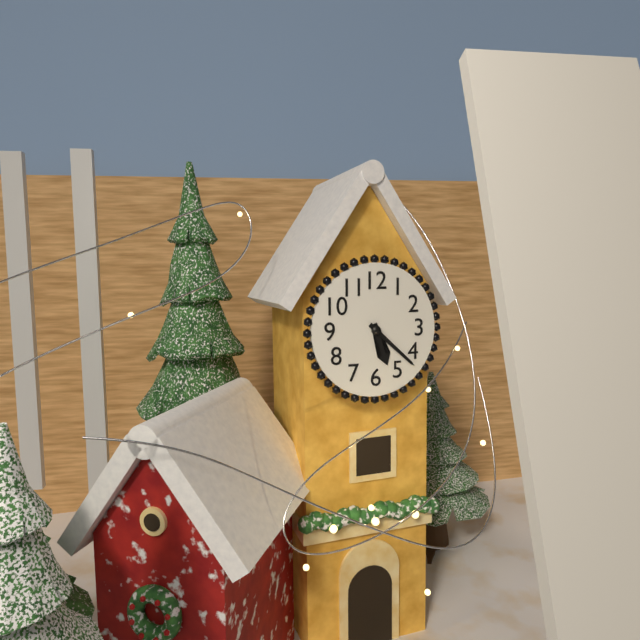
h=5 m=22
